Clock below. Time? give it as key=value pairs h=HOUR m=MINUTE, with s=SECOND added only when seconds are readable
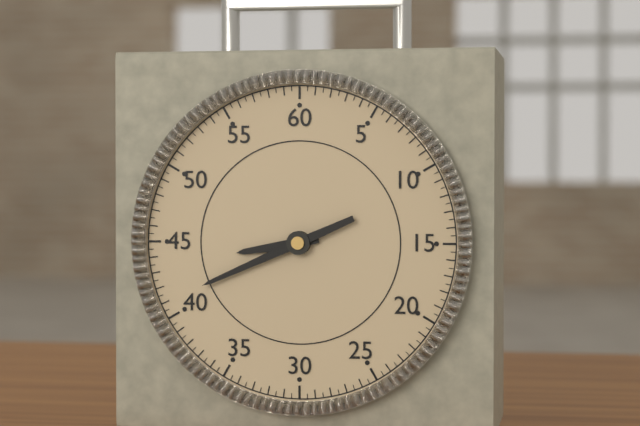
h=8 m=41
